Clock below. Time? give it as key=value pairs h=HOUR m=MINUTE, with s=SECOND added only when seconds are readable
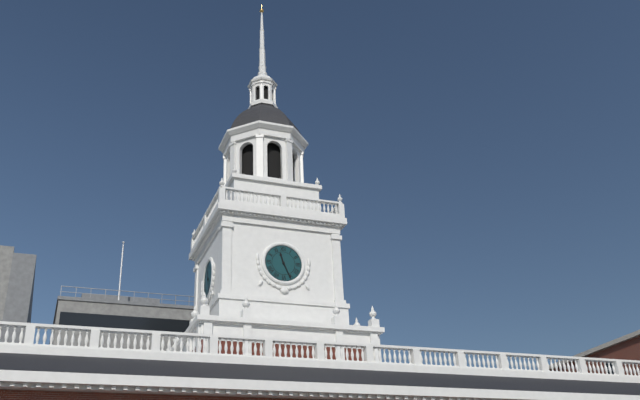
h=11 m=26
